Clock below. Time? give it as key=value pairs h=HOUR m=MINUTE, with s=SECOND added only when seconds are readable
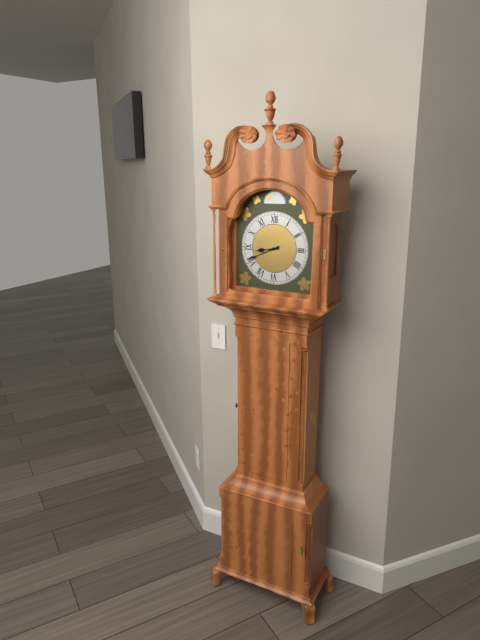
h=8 m=41
